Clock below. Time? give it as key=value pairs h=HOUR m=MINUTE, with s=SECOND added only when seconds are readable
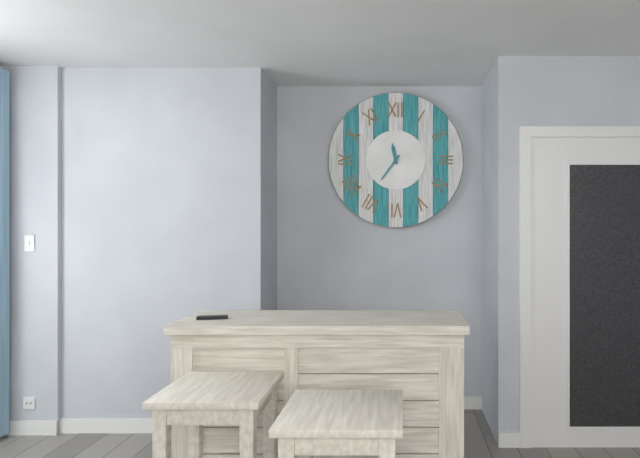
h=11 m=36
